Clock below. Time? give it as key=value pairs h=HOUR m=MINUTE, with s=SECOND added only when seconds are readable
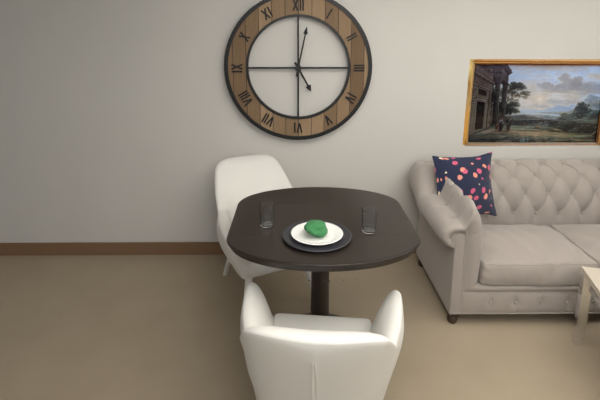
h=5 m=2
